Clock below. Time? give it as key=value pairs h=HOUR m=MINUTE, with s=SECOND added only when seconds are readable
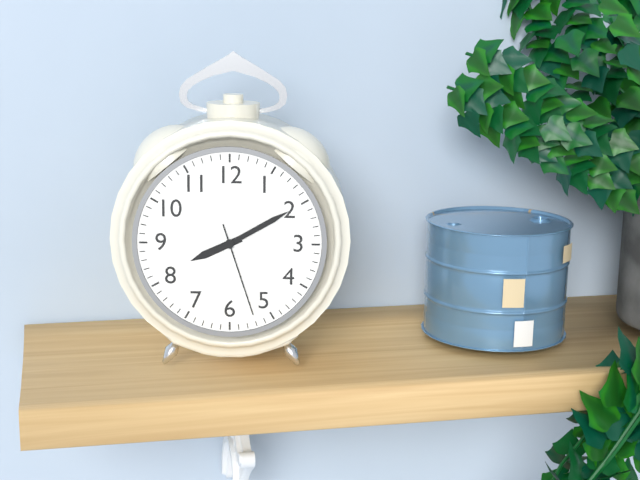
h=8 m=10 s=27
